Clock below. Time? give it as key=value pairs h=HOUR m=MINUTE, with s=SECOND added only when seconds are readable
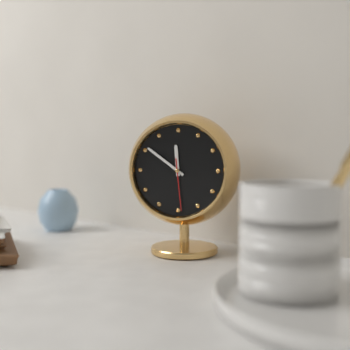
h=11 m=51 s=29
